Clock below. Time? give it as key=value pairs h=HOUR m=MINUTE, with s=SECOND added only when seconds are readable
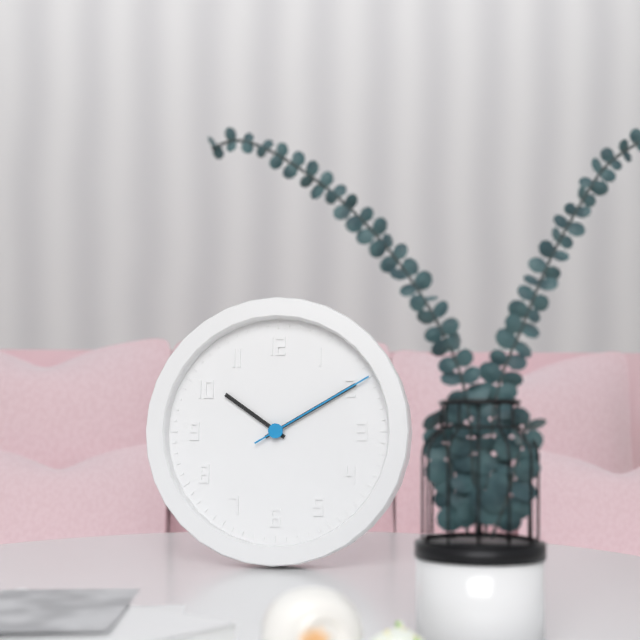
h=10 m=10 s=10
